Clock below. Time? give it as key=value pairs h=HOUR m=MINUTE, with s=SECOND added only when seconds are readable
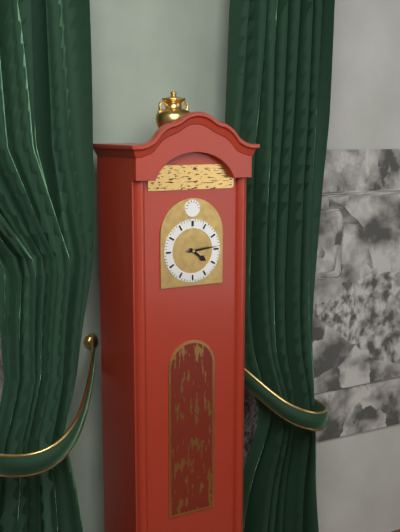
h=4 m=14
